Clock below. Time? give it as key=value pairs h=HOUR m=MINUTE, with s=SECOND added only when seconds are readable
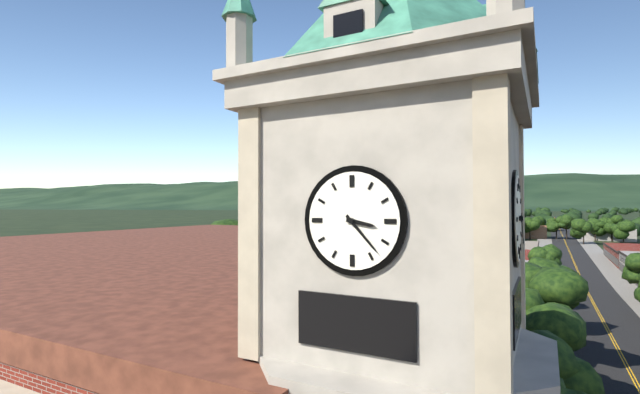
h=3 m=23
